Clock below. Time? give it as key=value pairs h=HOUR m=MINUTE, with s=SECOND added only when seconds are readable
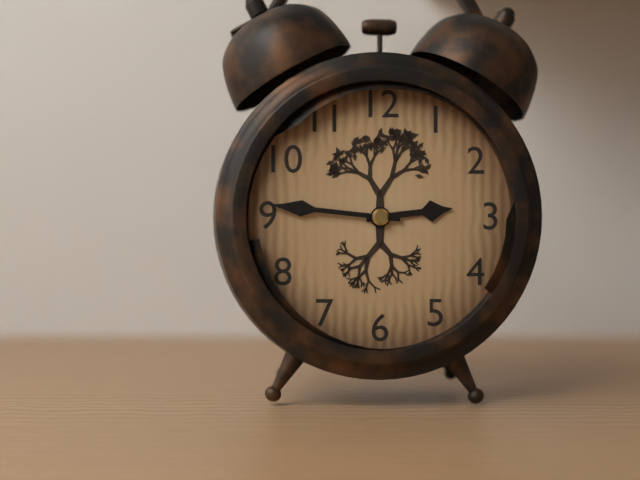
h=2 m=46
